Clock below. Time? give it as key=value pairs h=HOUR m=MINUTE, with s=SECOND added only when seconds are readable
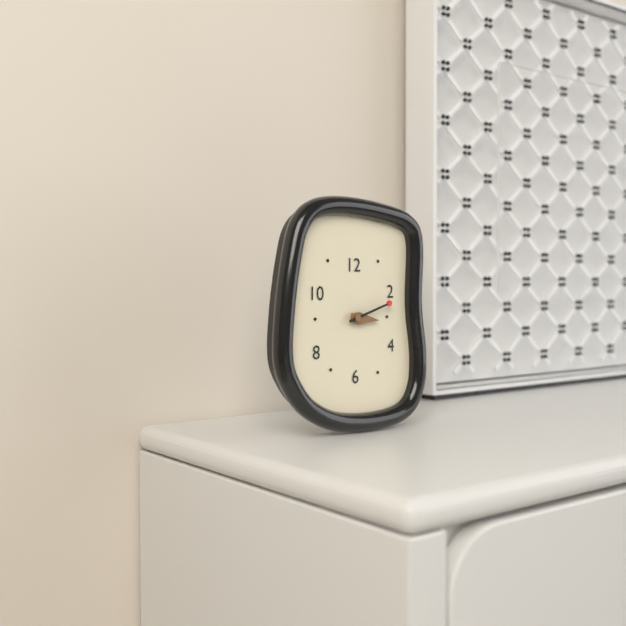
h=3 m=12
